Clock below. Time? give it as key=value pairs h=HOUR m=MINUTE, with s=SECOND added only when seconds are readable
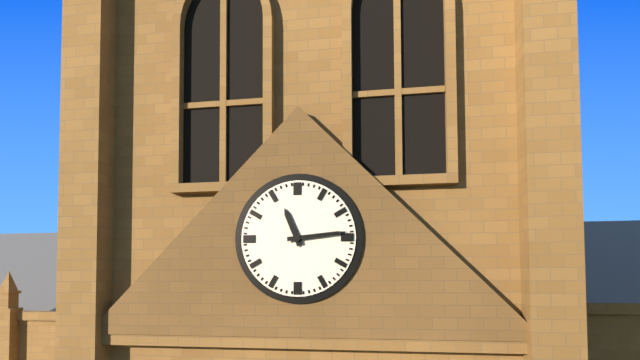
h=11 m=14
